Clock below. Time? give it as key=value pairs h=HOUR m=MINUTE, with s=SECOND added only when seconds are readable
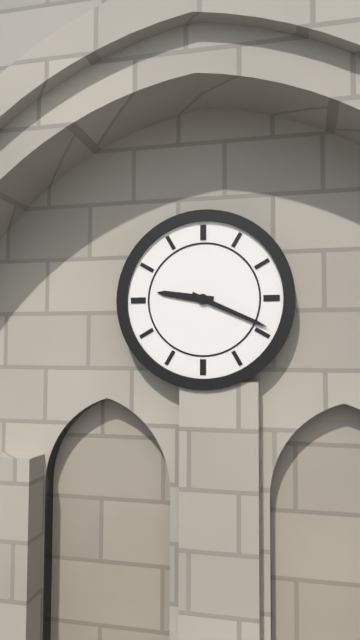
h=9 m=19
